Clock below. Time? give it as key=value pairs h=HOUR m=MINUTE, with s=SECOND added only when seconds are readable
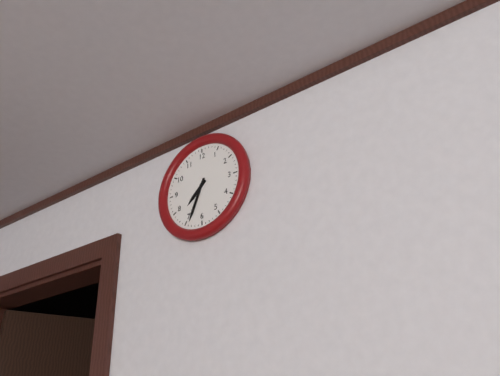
h=7 m=34
